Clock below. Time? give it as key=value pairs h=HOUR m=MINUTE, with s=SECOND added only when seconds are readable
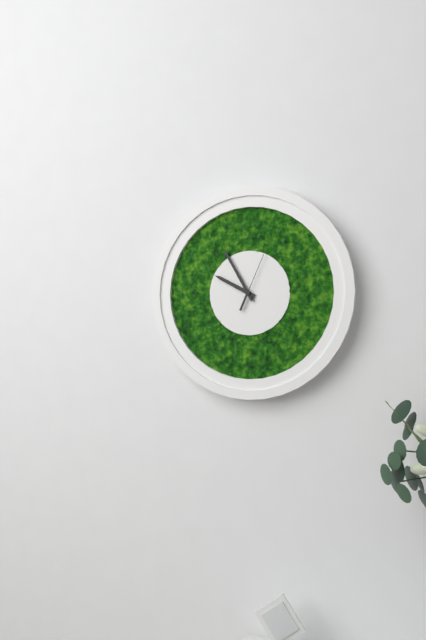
h=9 m=55 s=4
